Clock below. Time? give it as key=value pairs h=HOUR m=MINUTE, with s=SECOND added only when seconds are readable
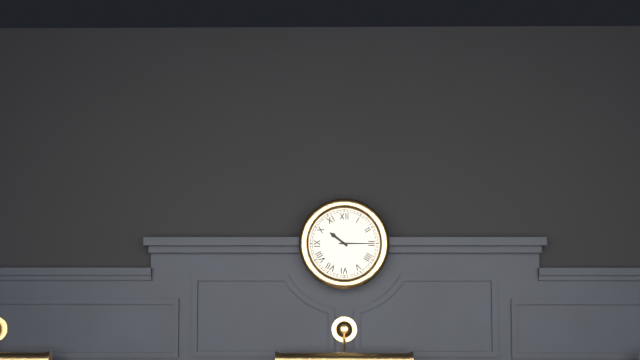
h=10 m=15
